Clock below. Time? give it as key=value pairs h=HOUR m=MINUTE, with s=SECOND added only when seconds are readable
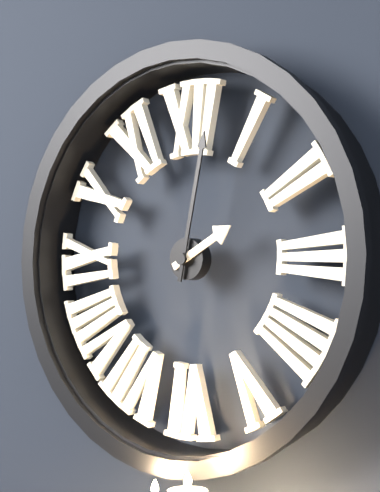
h=2 m=2
